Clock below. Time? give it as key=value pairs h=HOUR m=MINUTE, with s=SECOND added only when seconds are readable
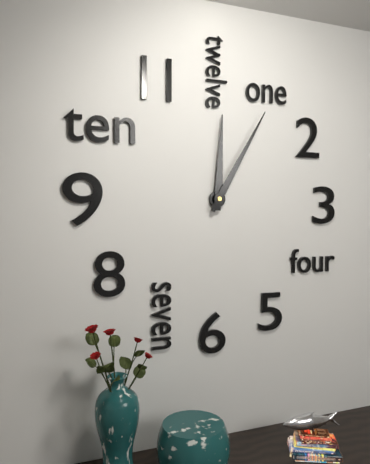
h=12 m=5
